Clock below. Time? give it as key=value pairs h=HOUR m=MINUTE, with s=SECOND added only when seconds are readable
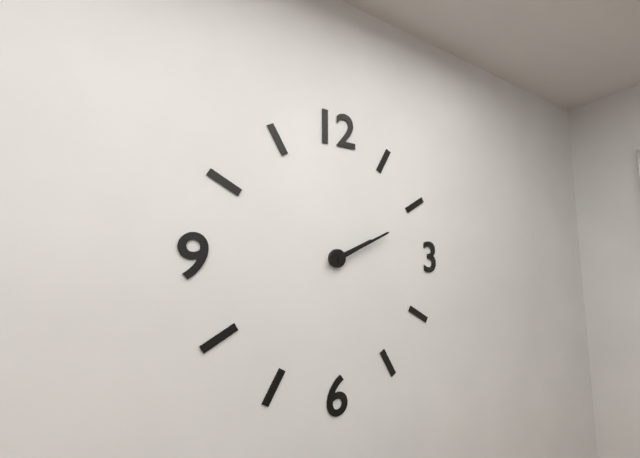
h=2 m=11
